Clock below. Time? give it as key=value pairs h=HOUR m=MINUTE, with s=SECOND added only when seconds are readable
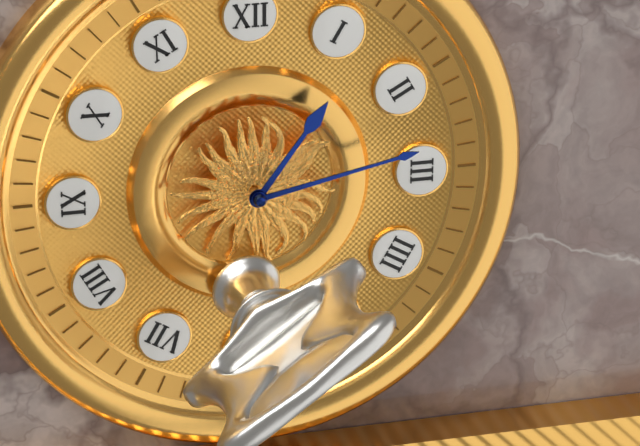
h=1 m=13
